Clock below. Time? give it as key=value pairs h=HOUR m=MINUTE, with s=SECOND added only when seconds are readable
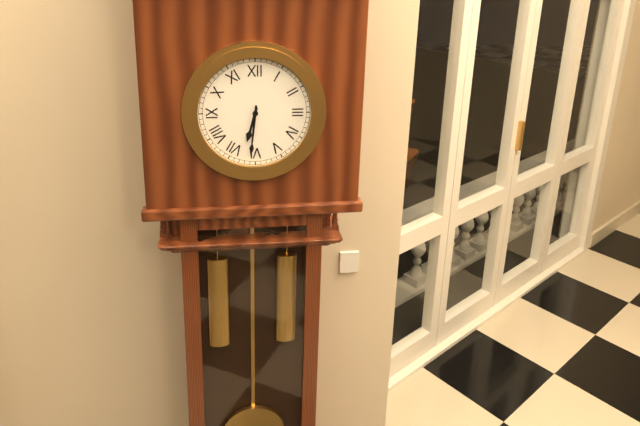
h=6 m=31
